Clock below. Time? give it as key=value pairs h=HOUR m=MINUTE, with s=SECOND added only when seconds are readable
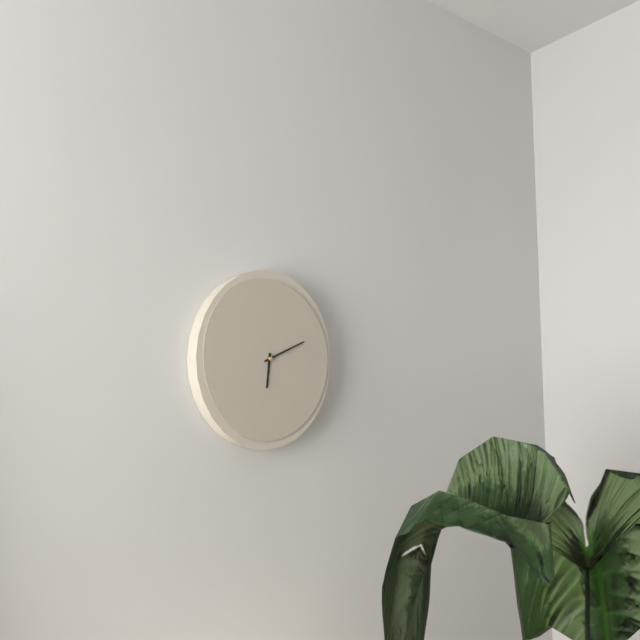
h=6 m=11
